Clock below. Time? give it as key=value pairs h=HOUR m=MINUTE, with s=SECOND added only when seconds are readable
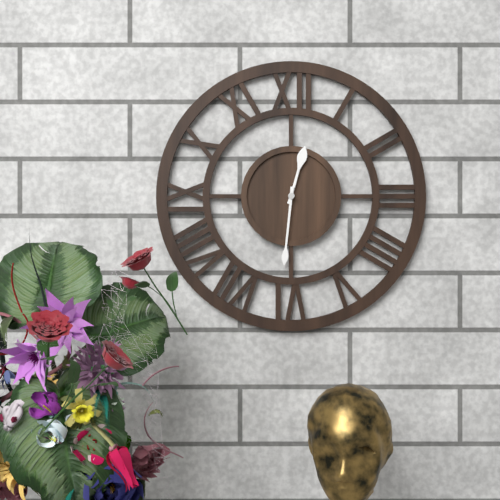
h=12 m=31
